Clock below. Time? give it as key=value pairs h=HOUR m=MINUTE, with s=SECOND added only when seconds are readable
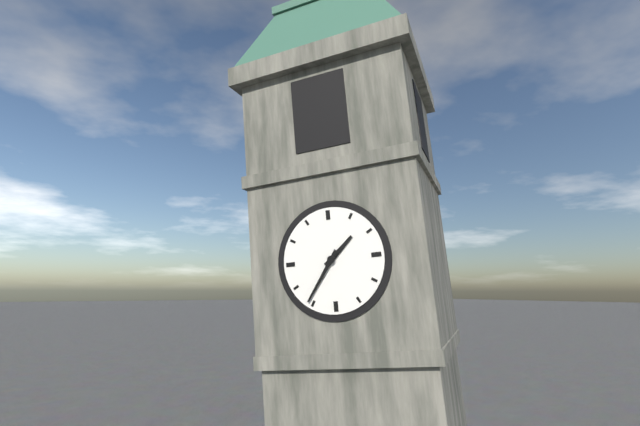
h=1 m=36
